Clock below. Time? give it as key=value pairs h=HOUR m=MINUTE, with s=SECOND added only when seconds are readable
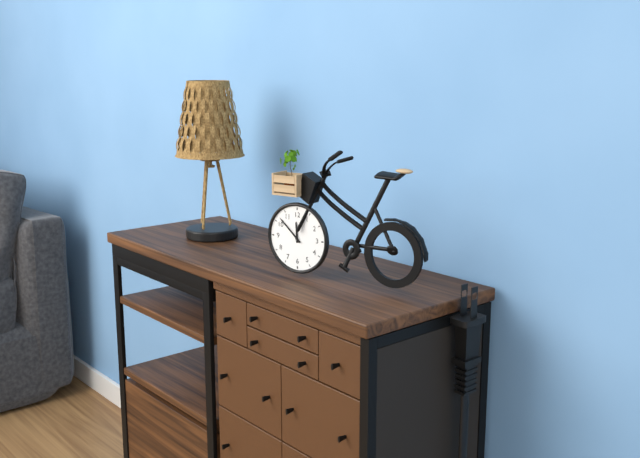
h=11 m=52
